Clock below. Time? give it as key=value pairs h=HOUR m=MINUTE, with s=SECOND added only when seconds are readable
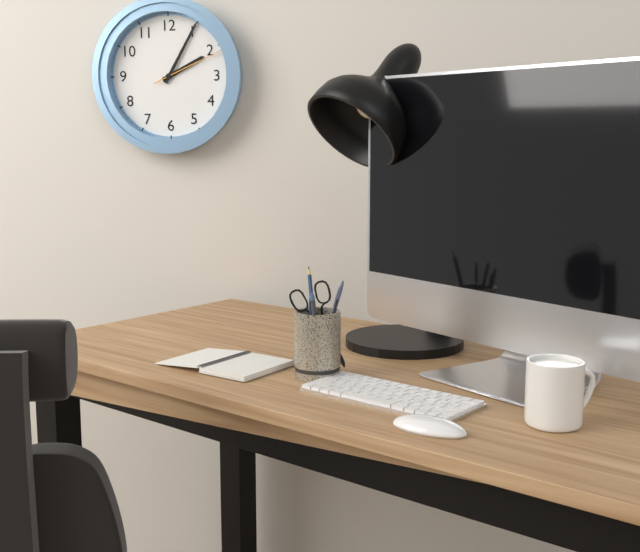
h=2 m=5 s=11
